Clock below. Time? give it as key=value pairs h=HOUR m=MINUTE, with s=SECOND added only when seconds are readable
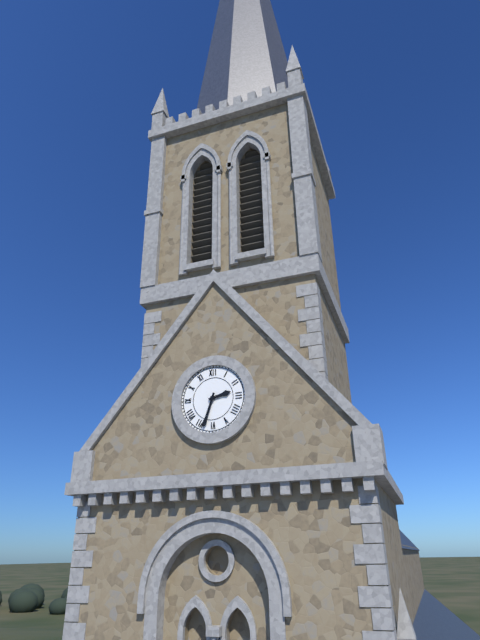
h=2 m=33
